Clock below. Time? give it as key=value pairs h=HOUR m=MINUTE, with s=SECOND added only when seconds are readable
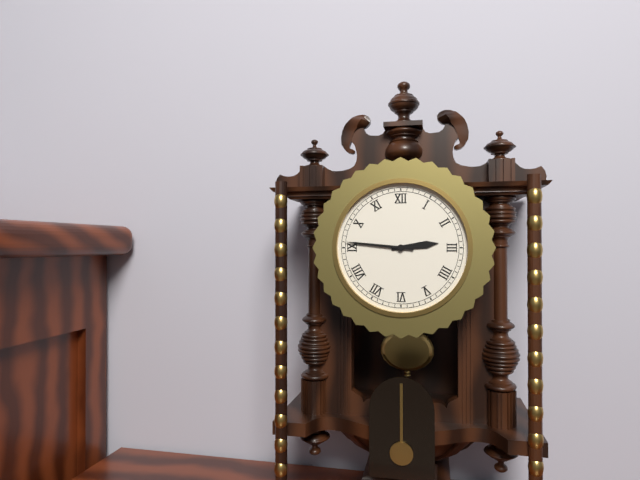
h=2 m=46
